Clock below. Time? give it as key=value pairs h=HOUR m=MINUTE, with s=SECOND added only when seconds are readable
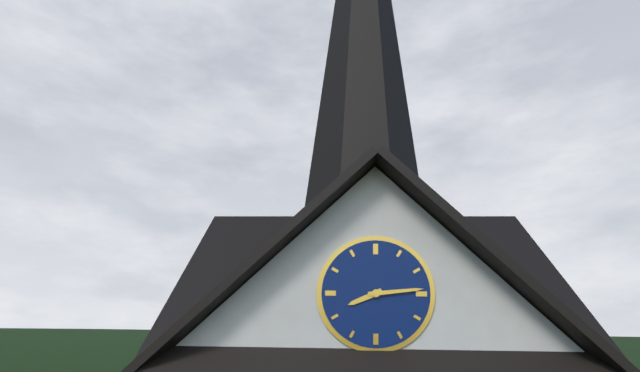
h=8 m=14
